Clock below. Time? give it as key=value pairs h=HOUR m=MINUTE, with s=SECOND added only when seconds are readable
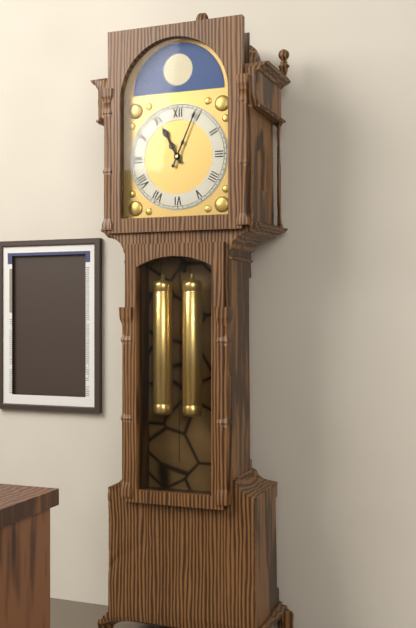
h=11 m=4
